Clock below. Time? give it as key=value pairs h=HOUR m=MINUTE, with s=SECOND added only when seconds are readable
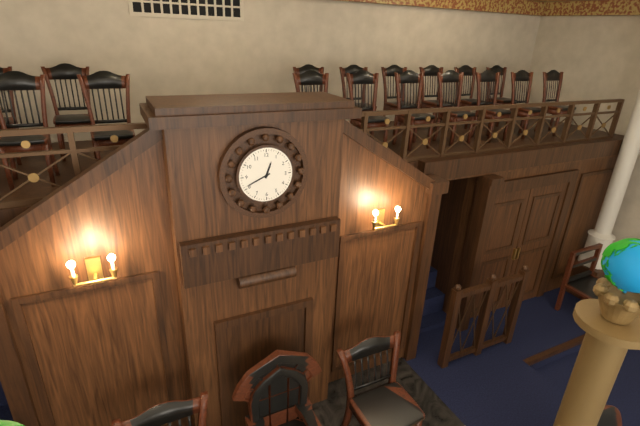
h=12 m=41
